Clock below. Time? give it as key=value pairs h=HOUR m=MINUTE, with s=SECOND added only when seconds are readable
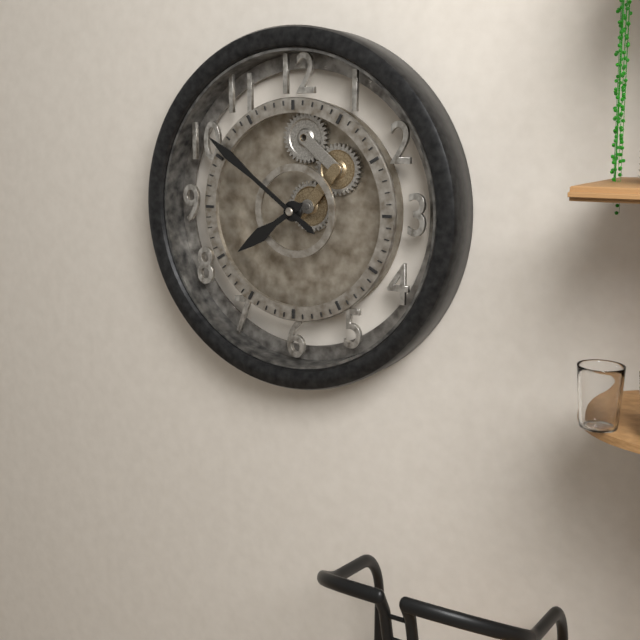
h=7 m=51
